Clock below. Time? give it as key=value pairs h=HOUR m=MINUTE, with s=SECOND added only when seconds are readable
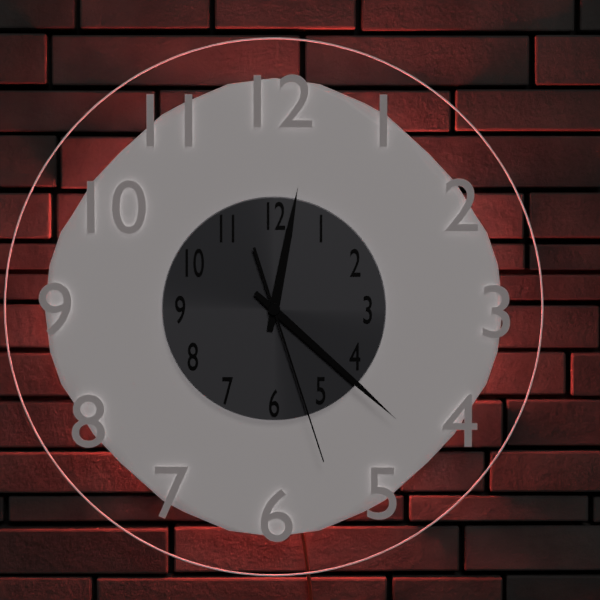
h=12 m=22 s=27
